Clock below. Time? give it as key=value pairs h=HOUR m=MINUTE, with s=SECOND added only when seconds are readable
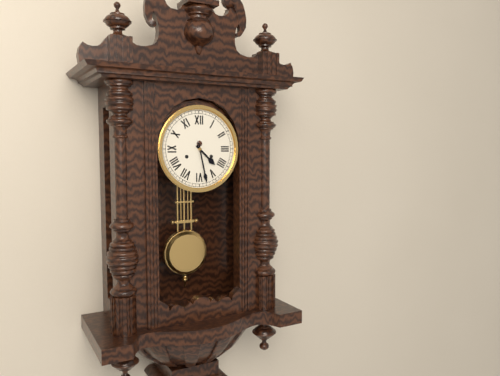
h=4 m=28
